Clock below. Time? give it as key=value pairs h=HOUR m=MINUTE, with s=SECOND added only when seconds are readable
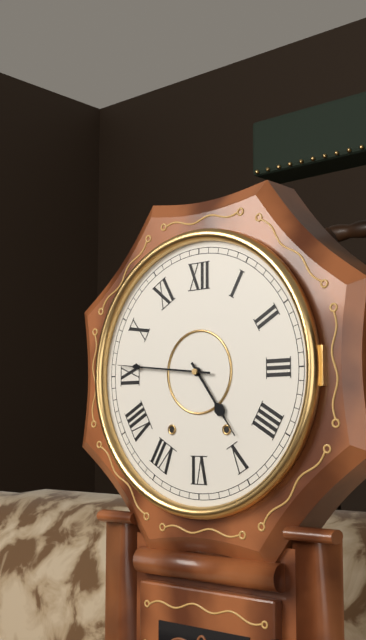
h=4 m=46
